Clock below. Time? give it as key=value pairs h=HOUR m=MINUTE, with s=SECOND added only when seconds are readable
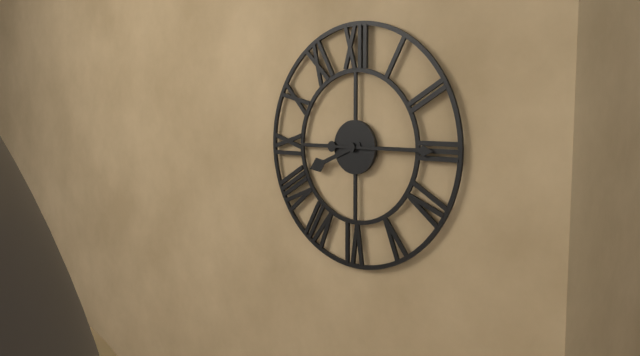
h=8 m=15
